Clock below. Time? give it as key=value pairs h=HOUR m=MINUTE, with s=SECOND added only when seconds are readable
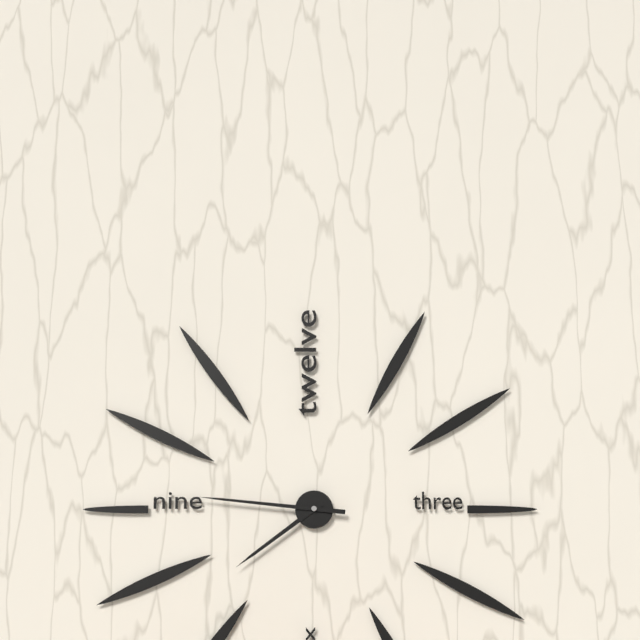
h=7 m=46
